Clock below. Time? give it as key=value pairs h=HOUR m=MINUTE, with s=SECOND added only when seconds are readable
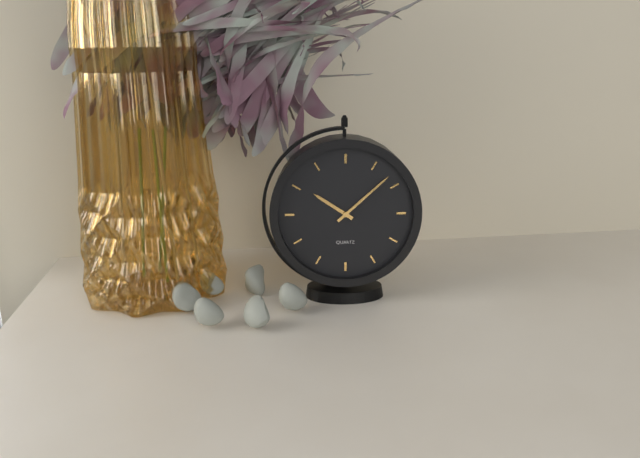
h=10 m=8
